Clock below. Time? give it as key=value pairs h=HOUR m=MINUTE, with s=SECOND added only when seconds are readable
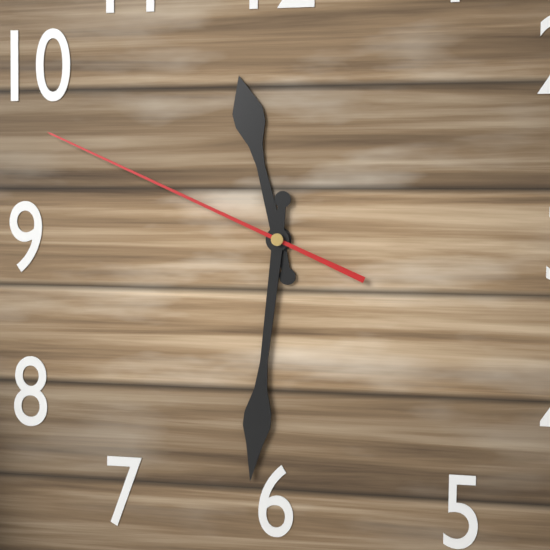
h=11 m=31 s=49
